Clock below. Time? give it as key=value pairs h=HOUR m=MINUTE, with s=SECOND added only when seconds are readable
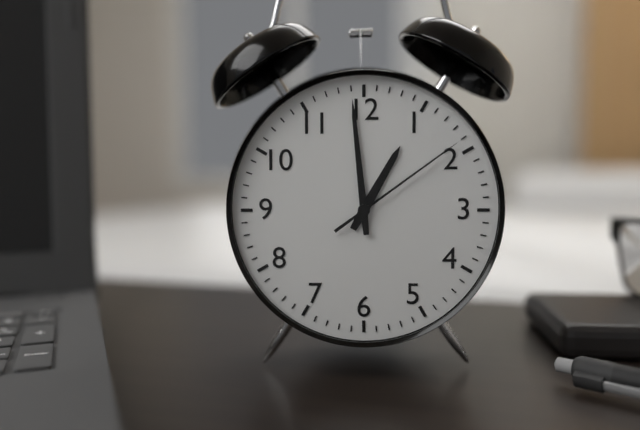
h=12 m=59 s=9
